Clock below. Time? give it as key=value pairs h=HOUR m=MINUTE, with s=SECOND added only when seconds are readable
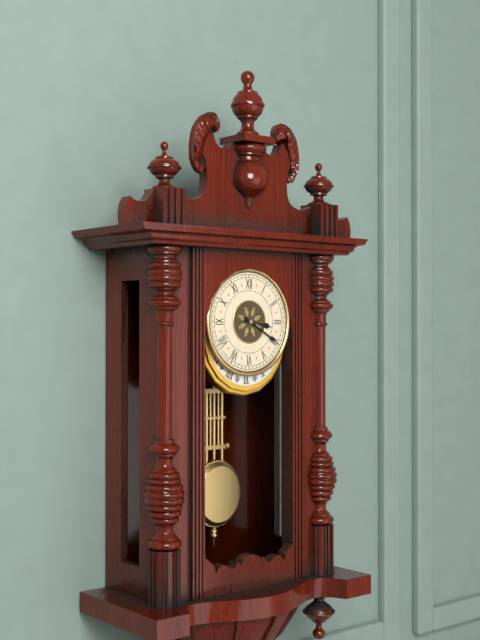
h=3 m=20
